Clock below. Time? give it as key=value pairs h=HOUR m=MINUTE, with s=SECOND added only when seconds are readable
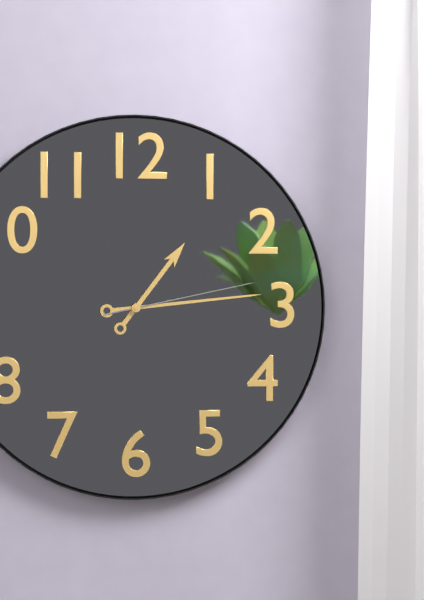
h=1 m=14 s=13
